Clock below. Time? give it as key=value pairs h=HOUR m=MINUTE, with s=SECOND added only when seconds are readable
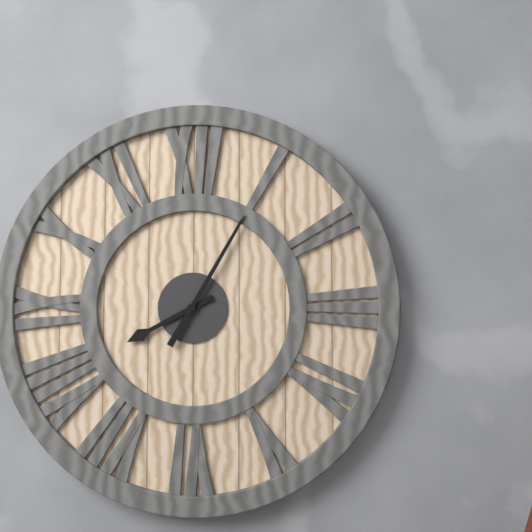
h=8 m=5
